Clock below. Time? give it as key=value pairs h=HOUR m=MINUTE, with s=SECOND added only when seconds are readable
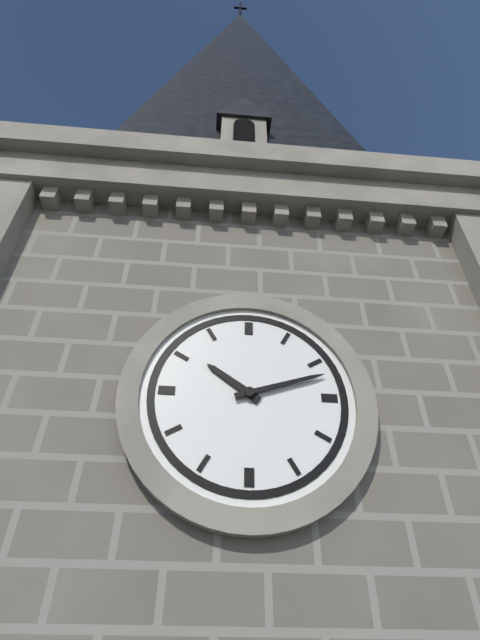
h=10 m=12
